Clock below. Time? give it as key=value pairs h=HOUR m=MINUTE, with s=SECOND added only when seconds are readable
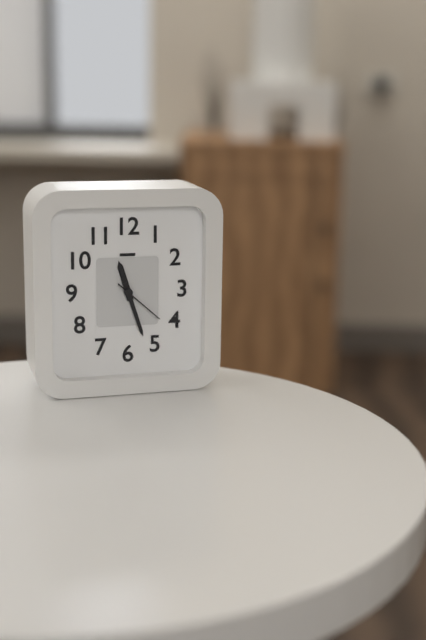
h=11 m=27
